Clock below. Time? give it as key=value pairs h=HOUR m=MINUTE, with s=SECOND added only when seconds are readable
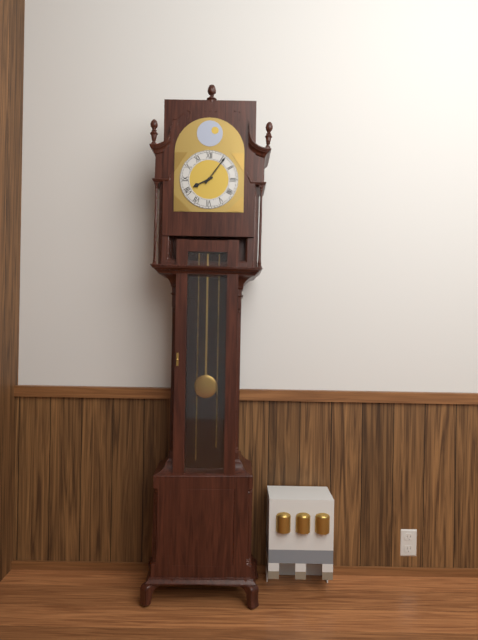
h=8 m=6
